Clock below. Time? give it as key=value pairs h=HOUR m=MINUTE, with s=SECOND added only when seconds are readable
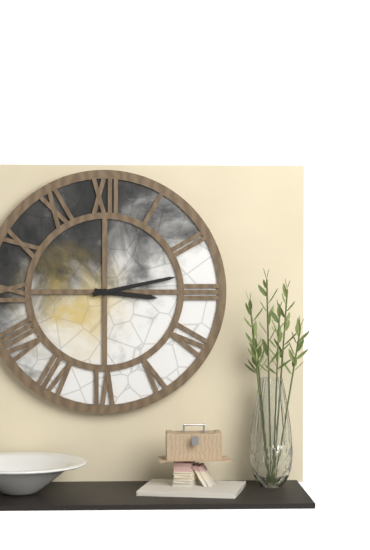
h=3 m=13
